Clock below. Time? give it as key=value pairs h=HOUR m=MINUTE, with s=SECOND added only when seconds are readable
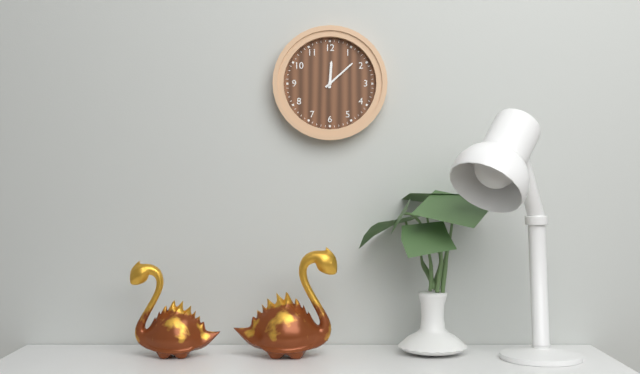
h=12 m=8
